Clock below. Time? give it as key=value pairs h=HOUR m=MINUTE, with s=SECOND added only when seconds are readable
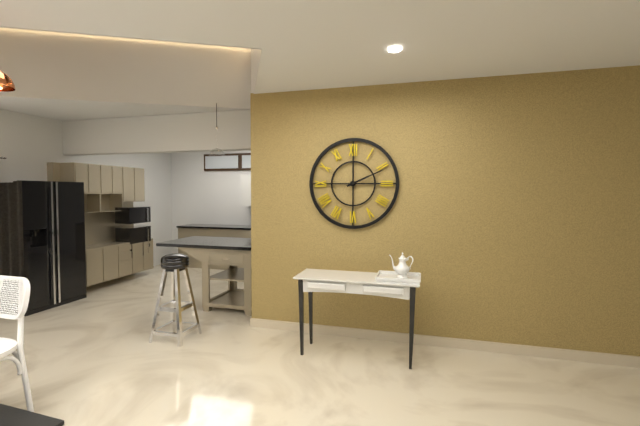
h=2 m=11
